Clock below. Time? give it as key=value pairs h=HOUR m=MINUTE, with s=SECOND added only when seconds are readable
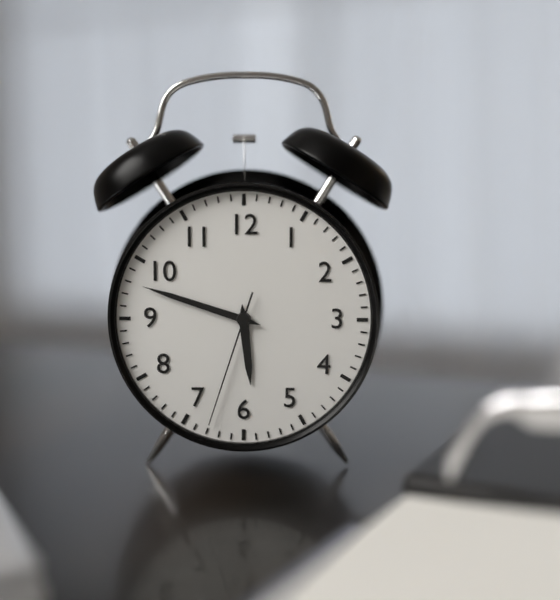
h=5 m=48 s=33
